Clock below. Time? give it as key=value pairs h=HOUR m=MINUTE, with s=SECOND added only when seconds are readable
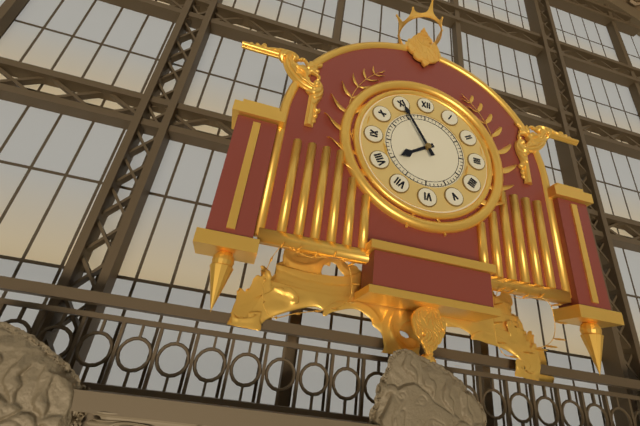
h=7 m=55
